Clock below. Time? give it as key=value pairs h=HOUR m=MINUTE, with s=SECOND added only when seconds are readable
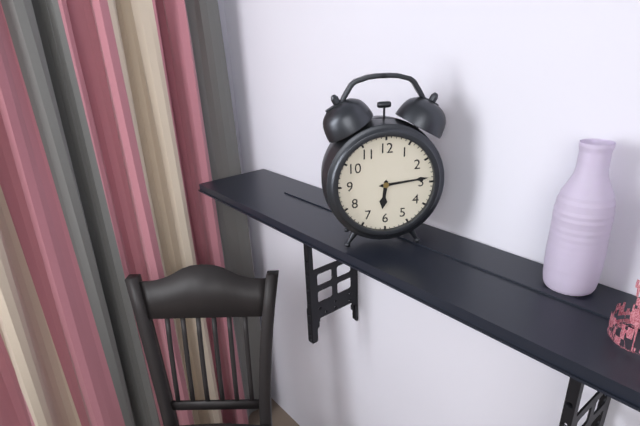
h=6 m=14
